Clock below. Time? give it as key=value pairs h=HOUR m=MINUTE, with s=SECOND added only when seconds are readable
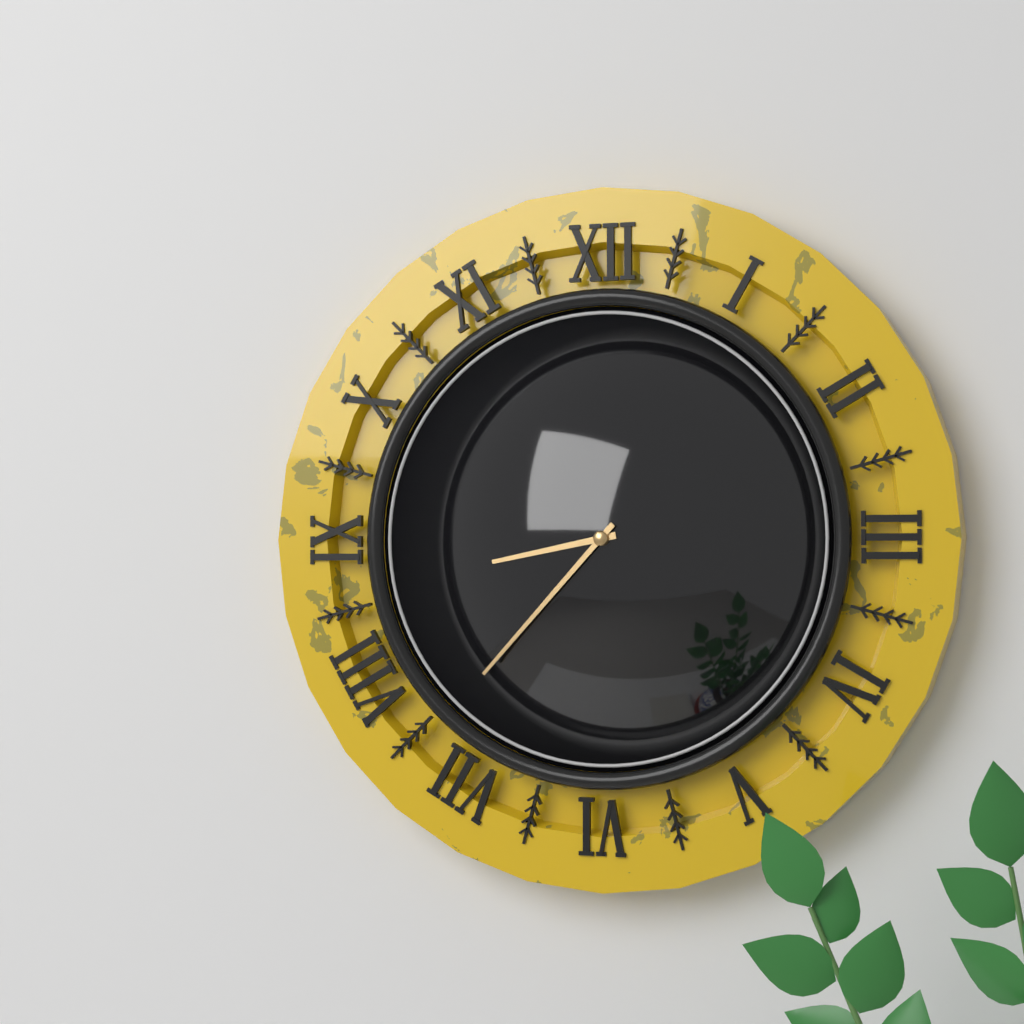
h=8 m=37
